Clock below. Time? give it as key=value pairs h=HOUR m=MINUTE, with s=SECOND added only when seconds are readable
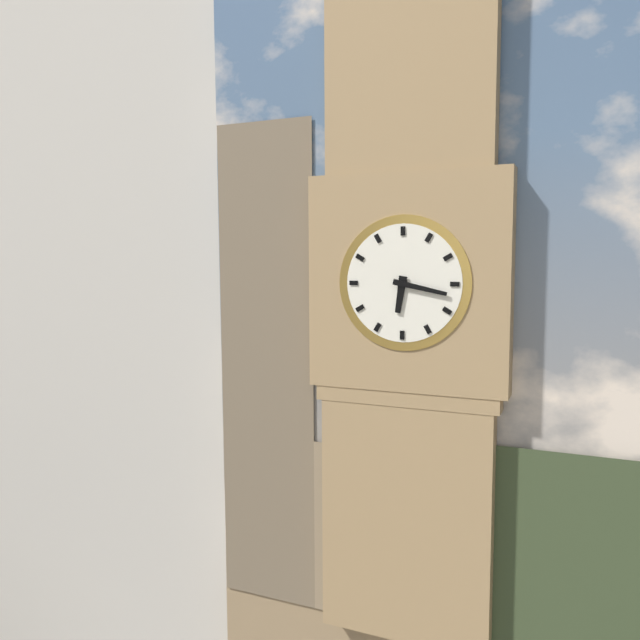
h=6 m=17
